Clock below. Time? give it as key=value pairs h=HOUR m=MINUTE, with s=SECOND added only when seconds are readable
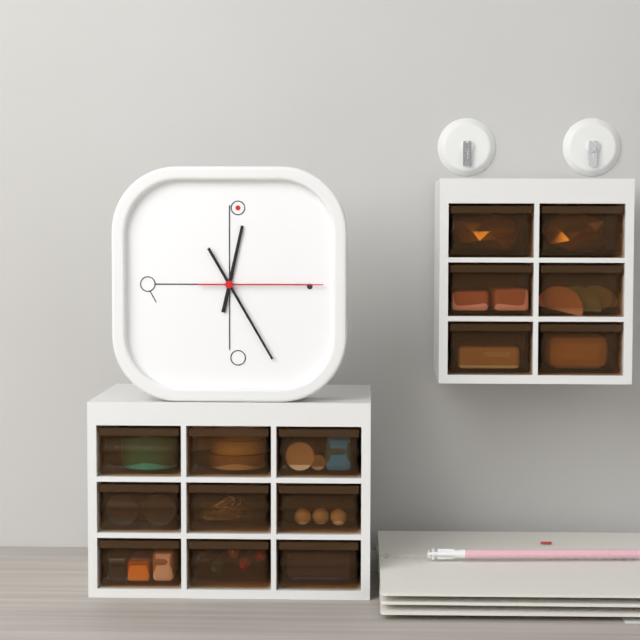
h=12 m=25 s=15
